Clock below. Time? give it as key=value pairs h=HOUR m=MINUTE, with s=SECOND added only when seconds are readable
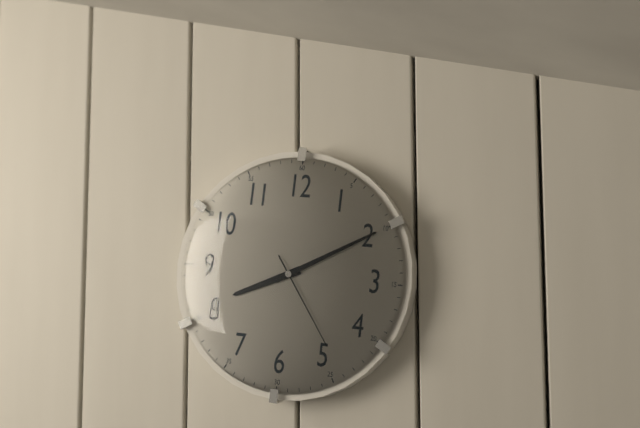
h=8 m=10 s=24
